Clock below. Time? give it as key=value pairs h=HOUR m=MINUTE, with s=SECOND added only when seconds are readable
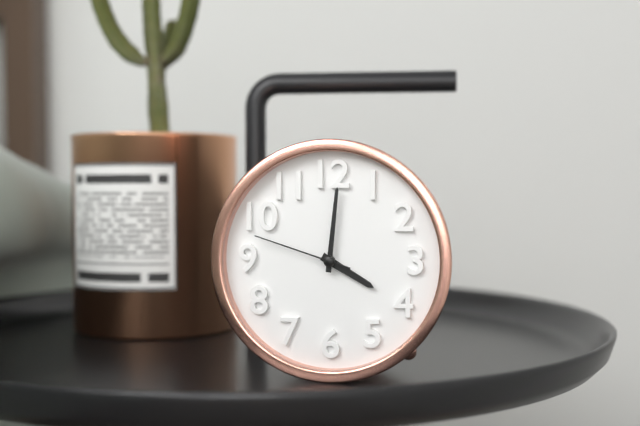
h=4 m=1 s=48
